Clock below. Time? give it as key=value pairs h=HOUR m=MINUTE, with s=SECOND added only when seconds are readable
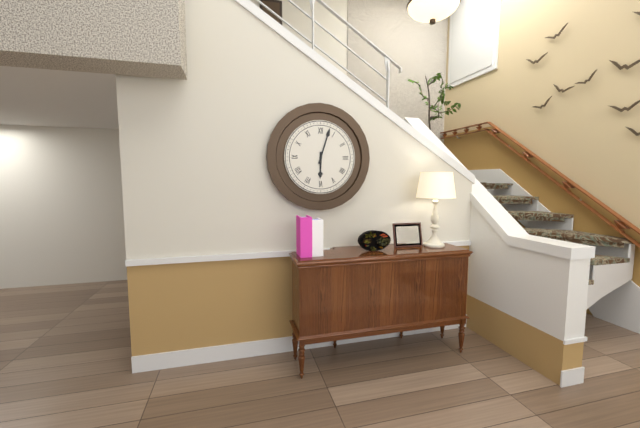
h=6 m=3
